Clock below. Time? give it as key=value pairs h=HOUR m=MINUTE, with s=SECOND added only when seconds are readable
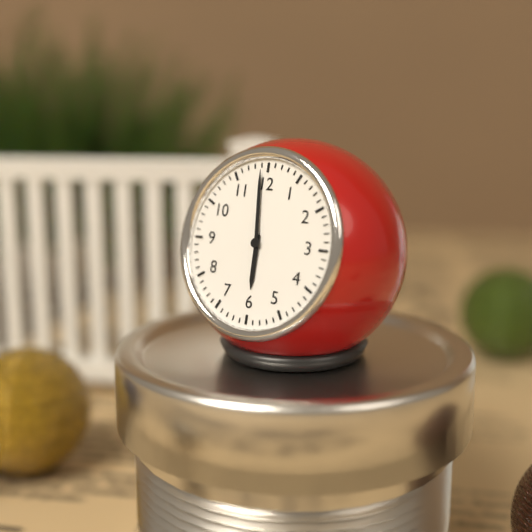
h=5 m=59
